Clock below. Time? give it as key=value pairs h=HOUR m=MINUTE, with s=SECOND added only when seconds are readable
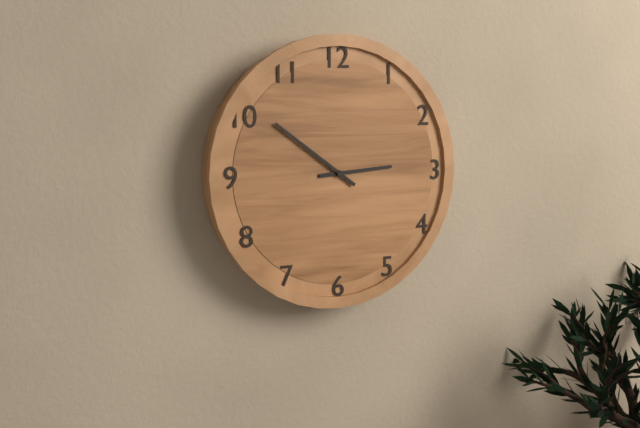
h=2 m=51
